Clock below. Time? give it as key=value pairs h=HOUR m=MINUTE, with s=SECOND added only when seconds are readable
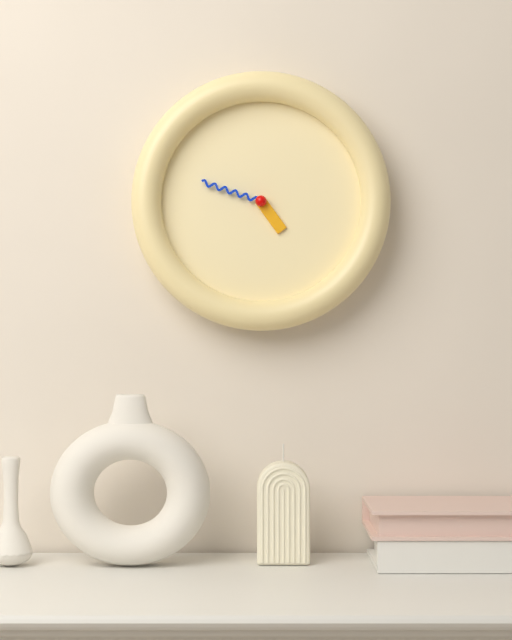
h=4 m=48
